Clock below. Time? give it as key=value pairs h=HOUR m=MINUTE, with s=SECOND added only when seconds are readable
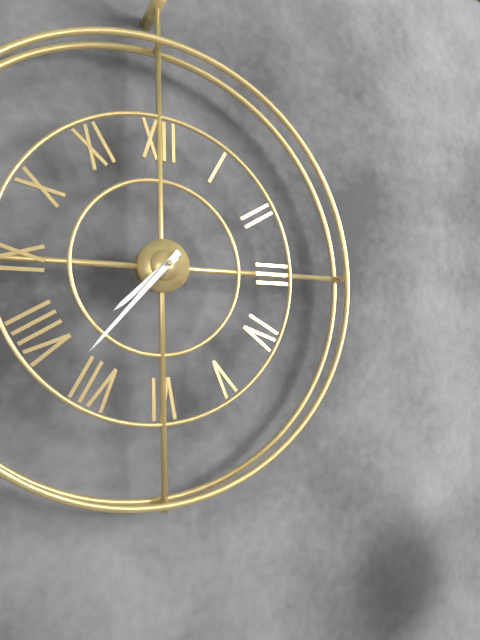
h=7 m=37
